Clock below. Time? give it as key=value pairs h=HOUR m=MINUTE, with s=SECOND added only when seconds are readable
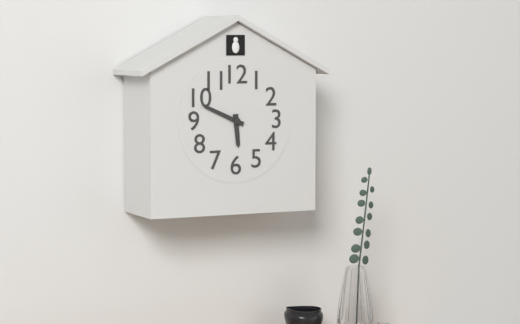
h=5 m=49
